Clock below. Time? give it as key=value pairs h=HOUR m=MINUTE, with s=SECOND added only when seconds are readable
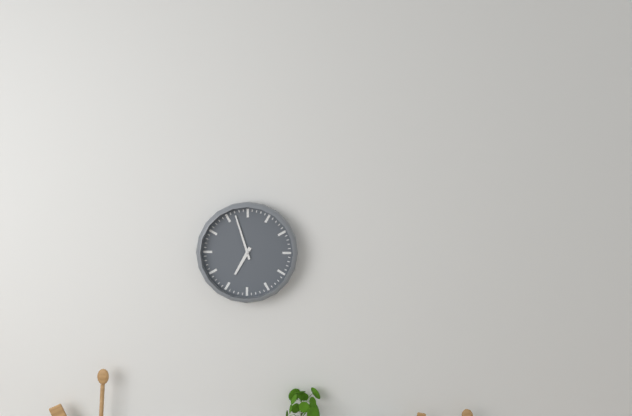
h=6 m=57
